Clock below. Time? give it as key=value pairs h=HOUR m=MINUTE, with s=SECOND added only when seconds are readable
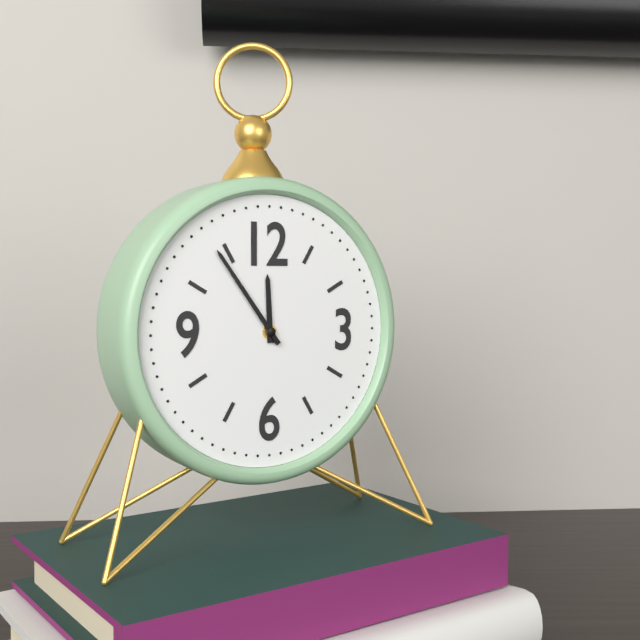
h=11 m=54
